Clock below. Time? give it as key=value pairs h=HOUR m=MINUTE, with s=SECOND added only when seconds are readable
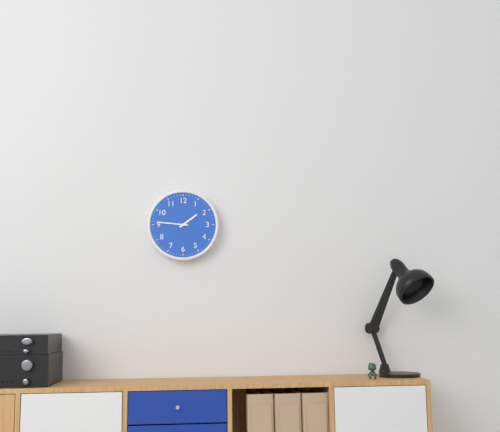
h=1 m=46
